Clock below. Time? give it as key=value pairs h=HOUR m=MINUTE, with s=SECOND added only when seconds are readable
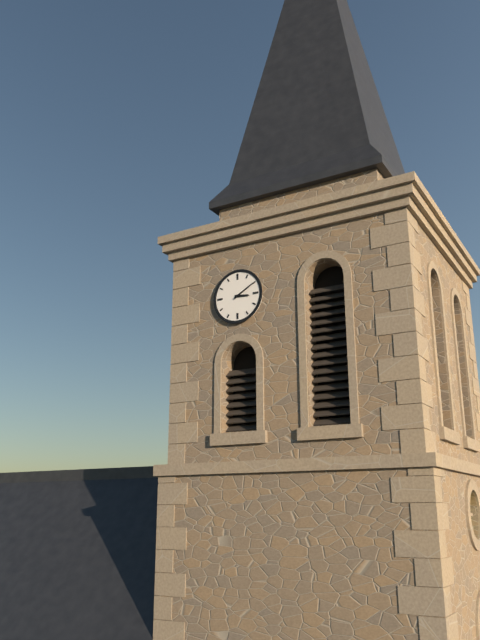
h=3 m=10
